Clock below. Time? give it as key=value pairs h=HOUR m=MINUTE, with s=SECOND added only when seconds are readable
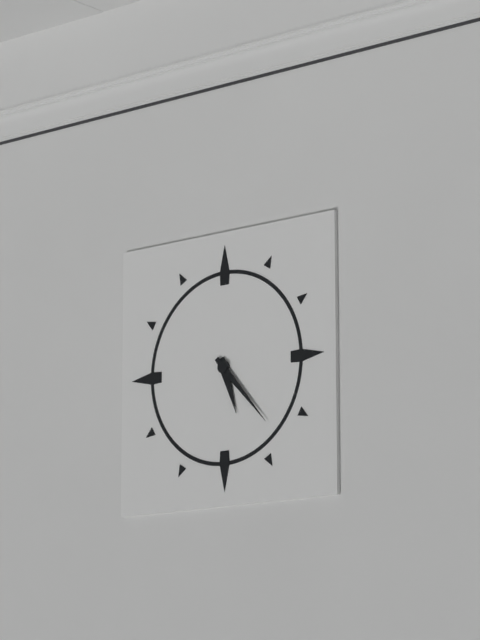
h=5 m=23
